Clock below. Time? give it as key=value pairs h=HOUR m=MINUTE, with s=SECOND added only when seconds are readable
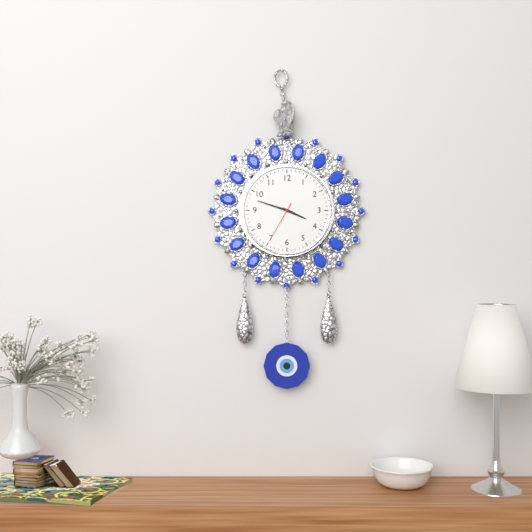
h=3 m=48
